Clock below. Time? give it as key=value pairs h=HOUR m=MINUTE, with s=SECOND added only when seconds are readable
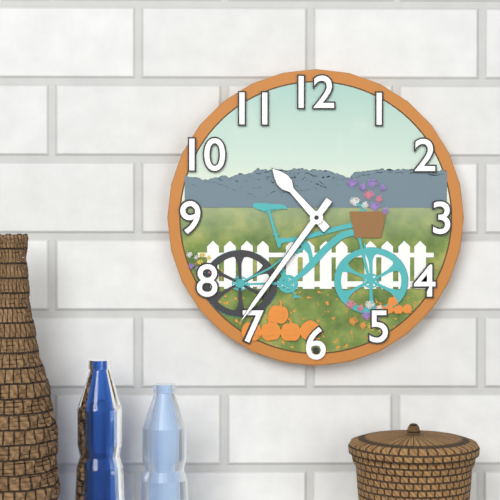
h=10 m=36
